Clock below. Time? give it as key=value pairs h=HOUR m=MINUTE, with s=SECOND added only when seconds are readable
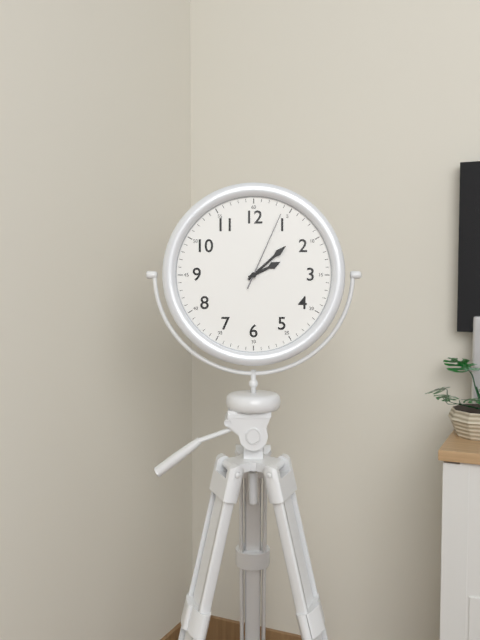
h=2 m=8 s=4
